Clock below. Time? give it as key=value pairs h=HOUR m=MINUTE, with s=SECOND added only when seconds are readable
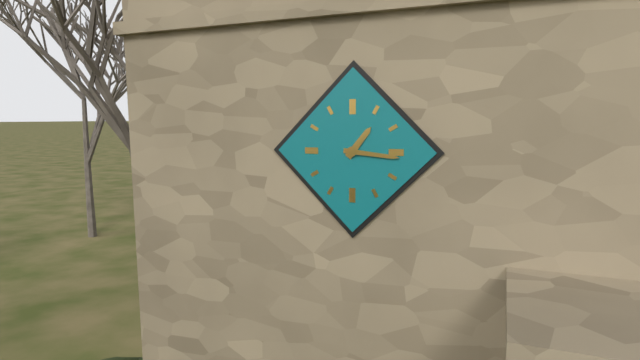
h=1 m=16
